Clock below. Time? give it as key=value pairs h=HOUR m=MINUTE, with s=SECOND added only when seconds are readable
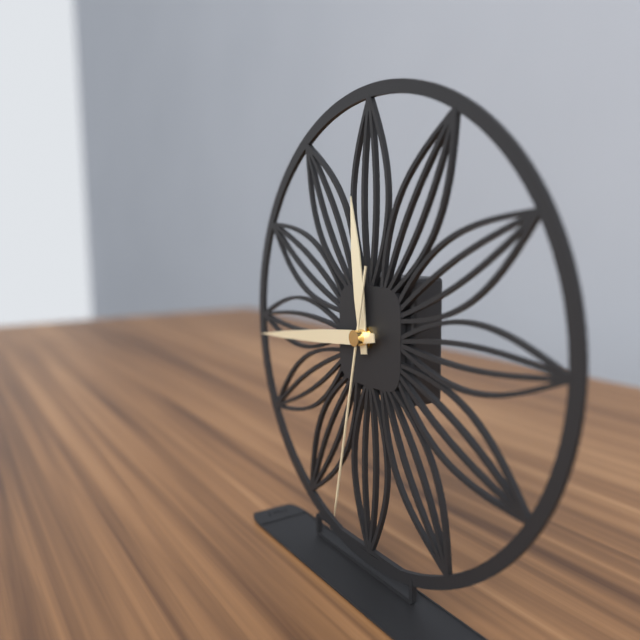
h=11 m=44 s=32
